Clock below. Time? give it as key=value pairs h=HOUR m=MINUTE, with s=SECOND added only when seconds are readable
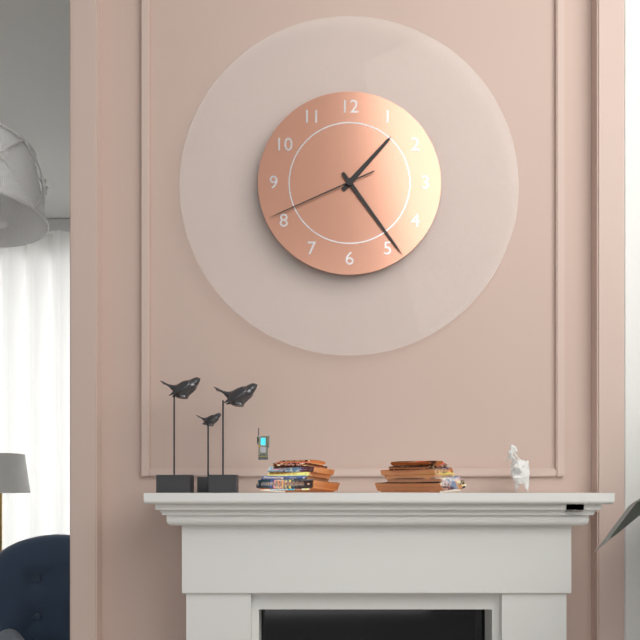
h=1 m=24 s=41
